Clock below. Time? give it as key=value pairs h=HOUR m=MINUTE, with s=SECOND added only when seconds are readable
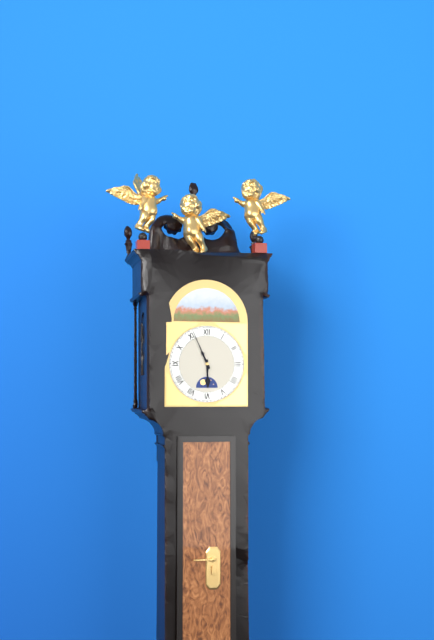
h=5 m=56
